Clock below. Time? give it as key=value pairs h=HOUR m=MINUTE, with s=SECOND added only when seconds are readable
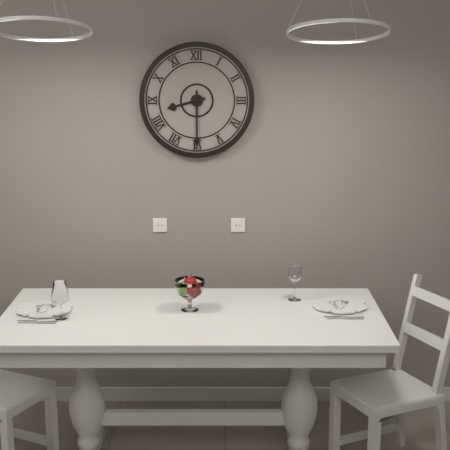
h=8 m=30
